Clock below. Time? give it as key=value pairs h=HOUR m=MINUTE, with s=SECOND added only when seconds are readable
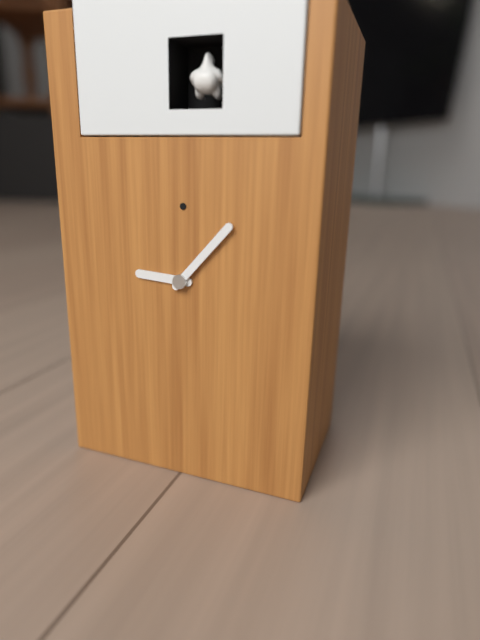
h=9 m=7
